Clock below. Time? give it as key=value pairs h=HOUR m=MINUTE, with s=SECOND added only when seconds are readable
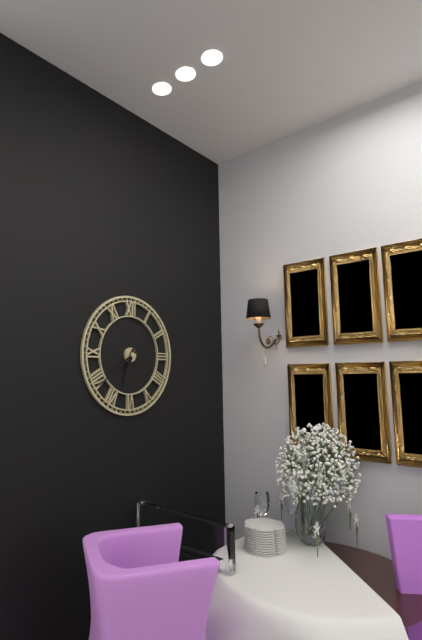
h=6 m=39
